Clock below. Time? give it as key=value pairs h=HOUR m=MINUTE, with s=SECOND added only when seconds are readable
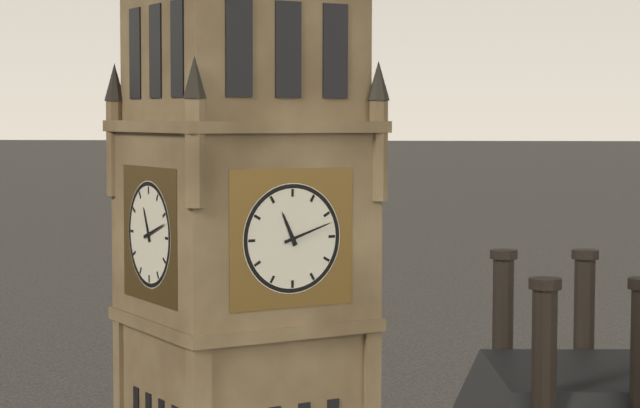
h=11 m=12
